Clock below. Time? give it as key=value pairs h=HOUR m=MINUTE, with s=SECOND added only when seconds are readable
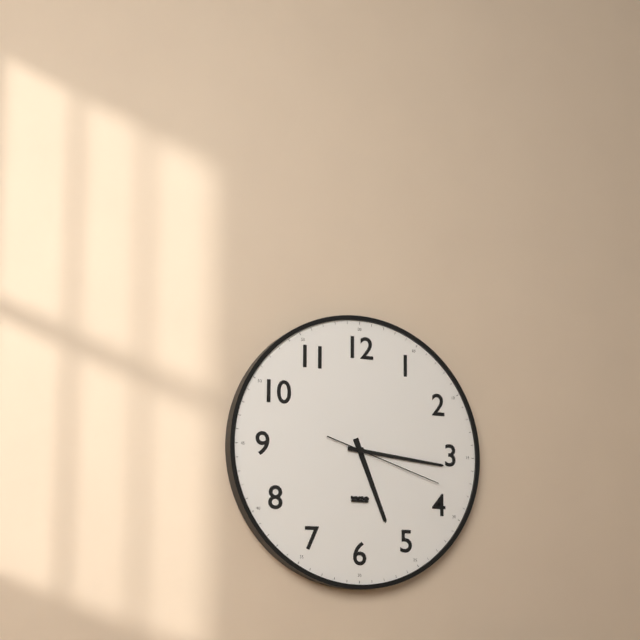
h=5 m=16 s=18
